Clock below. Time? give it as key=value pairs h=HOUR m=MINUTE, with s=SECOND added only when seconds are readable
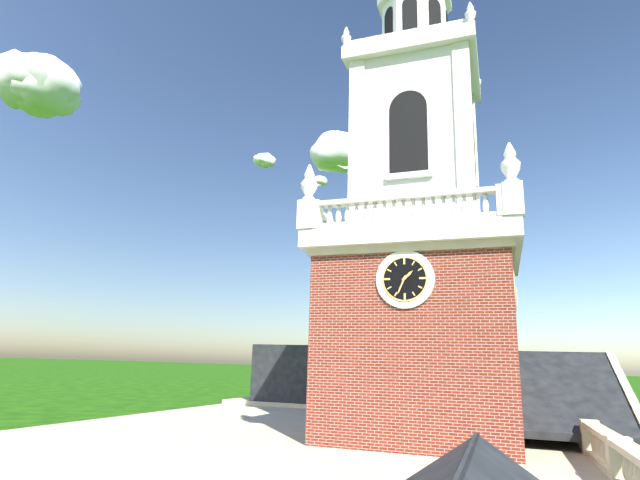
h=1 m=34
